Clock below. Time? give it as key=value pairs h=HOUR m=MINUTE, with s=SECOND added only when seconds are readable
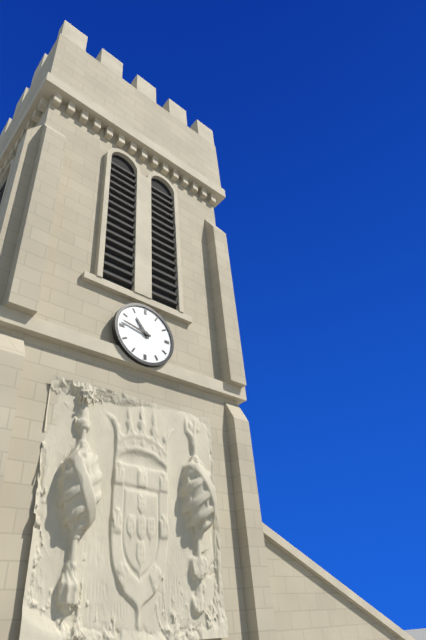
h=10 m=47
